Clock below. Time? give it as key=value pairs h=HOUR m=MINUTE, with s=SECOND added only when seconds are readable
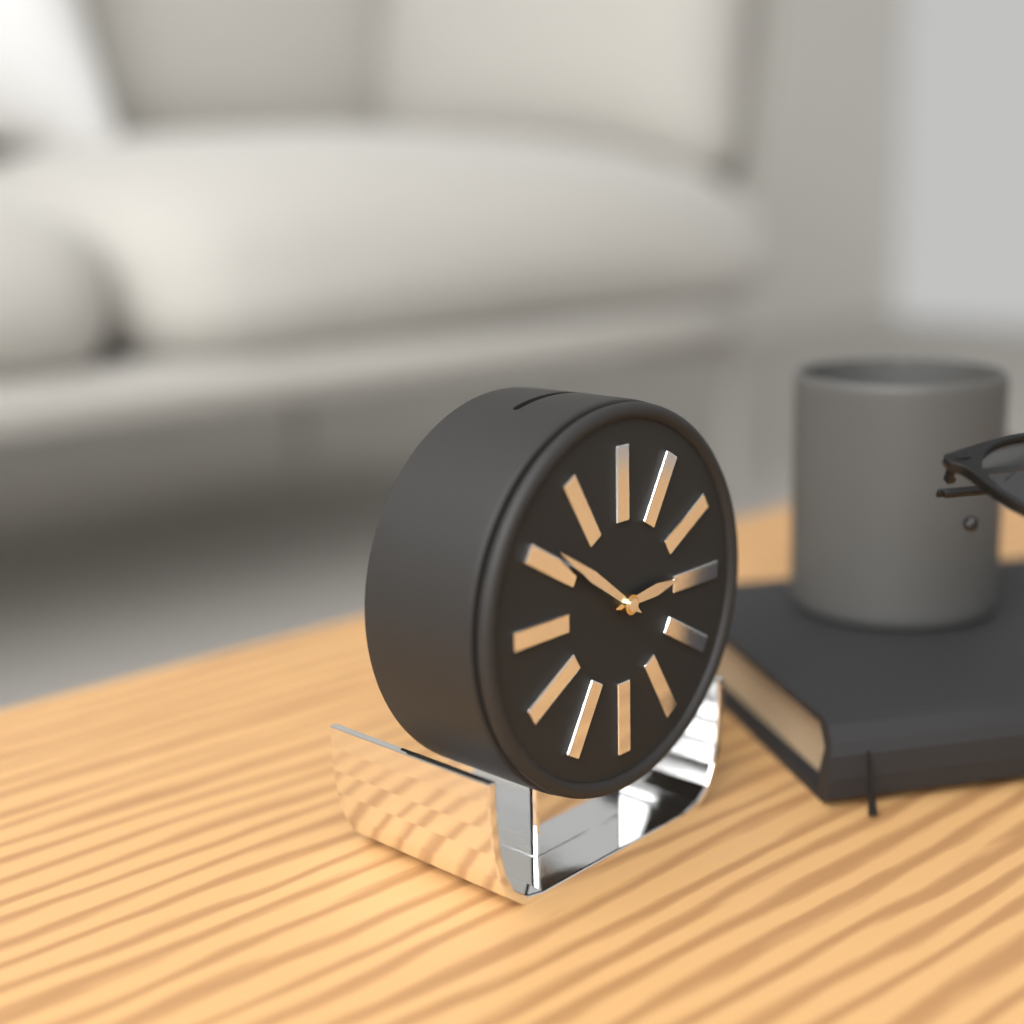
h=2 m=51
